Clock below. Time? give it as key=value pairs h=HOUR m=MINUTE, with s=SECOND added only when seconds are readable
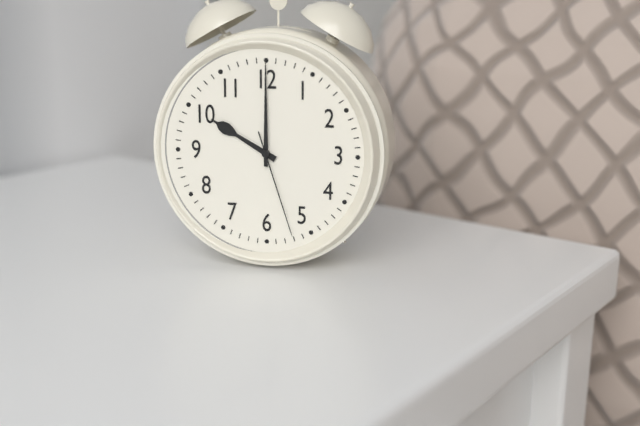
h=10 m=0 s=27
